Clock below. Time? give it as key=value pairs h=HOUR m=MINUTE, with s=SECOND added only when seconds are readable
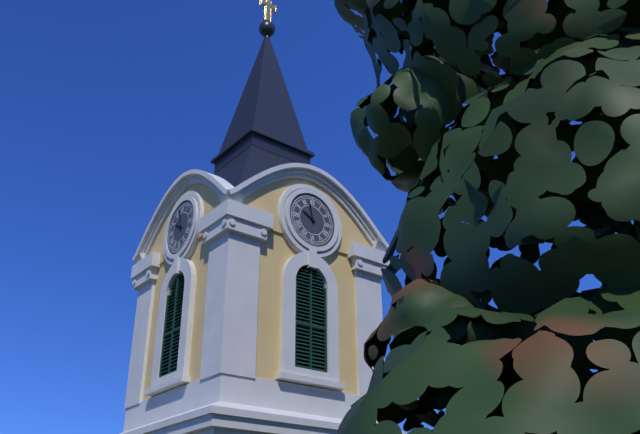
h=9 m=58
